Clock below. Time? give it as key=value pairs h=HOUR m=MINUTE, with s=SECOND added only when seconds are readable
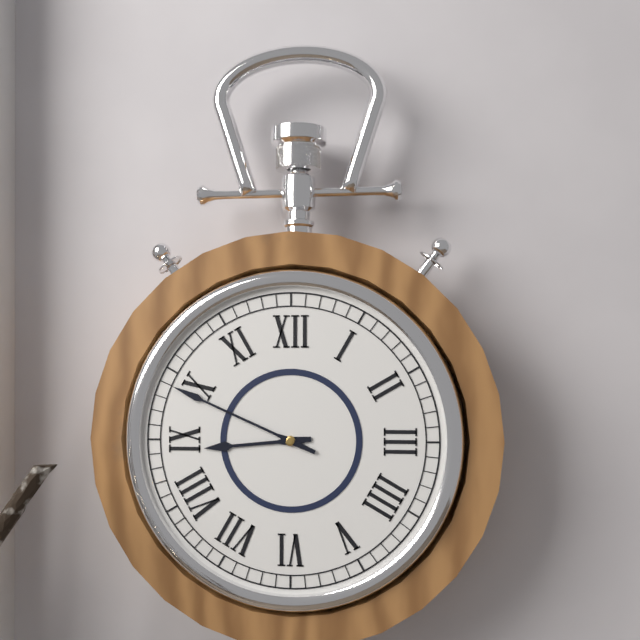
h=8 m=49
